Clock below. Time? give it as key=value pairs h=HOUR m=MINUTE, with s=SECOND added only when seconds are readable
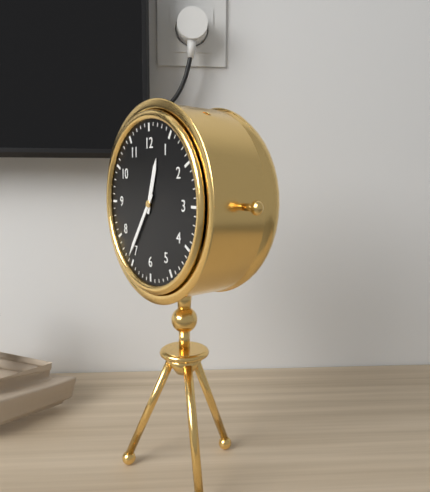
h=12 m=36
